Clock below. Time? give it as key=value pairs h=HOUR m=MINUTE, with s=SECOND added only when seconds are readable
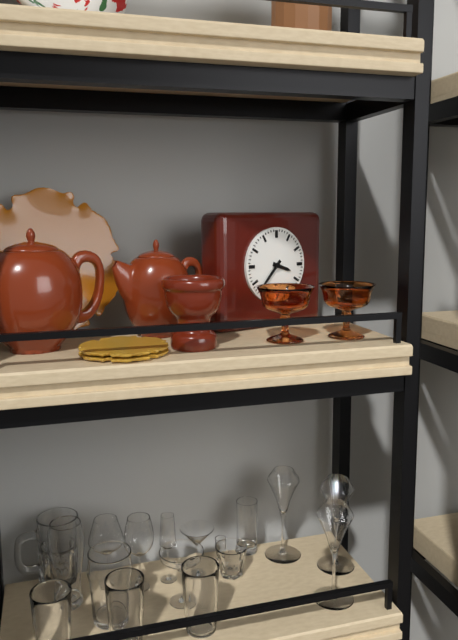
h=3 m=37
